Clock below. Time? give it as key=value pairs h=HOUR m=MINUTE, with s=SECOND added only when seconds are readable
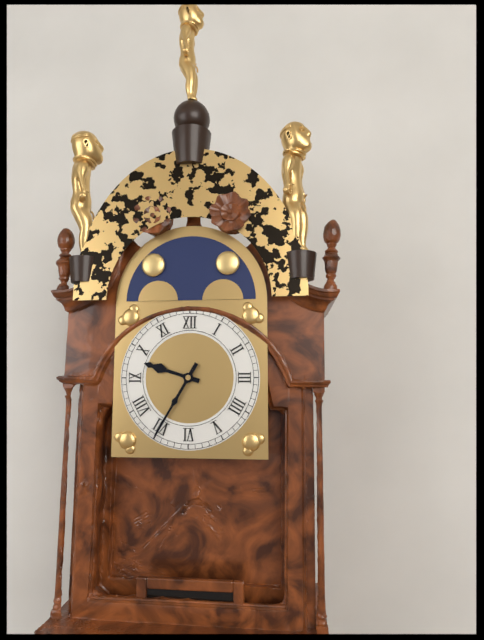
h=9 m=35
